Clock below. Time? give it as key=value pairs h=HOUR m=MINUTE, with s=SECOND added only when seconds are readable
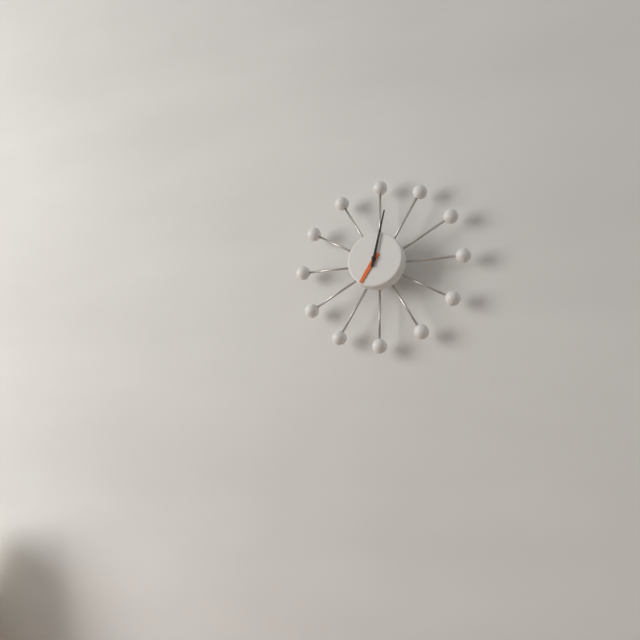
h=7 m=2
